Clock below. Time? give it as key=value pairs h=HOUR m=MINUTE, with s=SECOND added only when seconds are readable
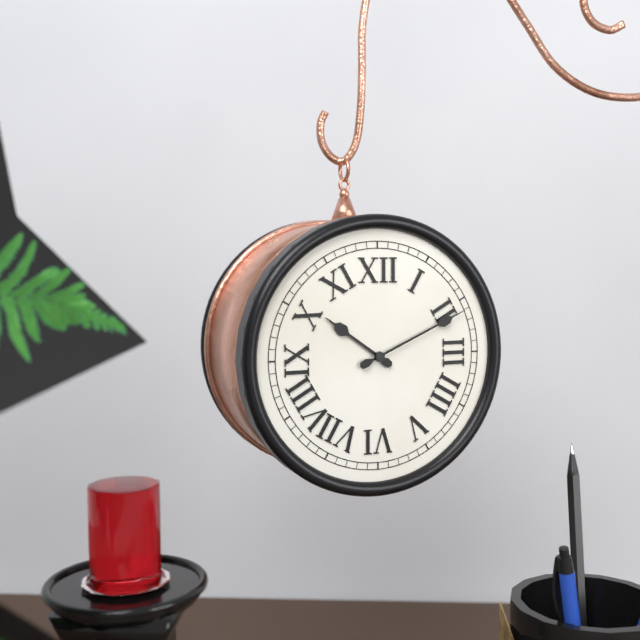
h=10 m=11
